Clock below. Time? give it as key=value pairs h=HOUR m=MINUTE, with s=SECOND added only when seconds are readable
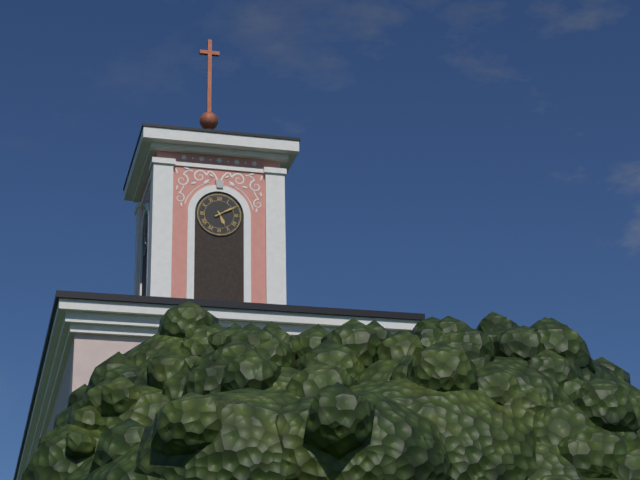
h=5 m=10
